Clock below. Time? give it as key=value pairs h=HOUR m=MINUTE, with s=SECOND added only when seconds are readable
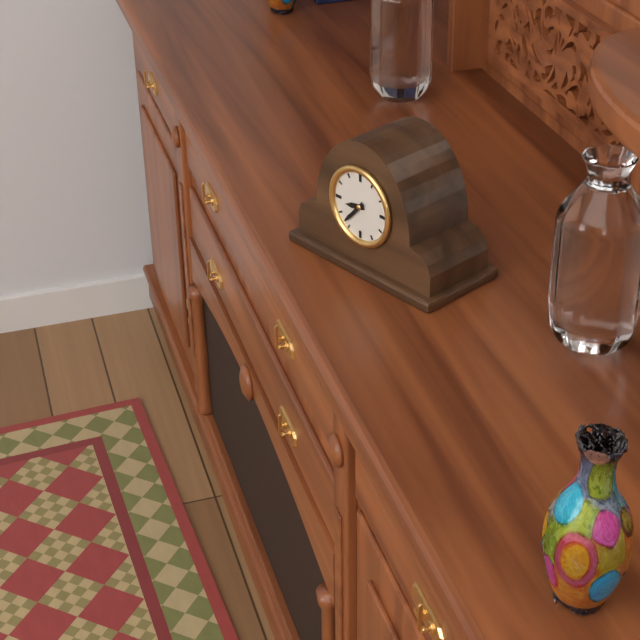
h=8 m=37
